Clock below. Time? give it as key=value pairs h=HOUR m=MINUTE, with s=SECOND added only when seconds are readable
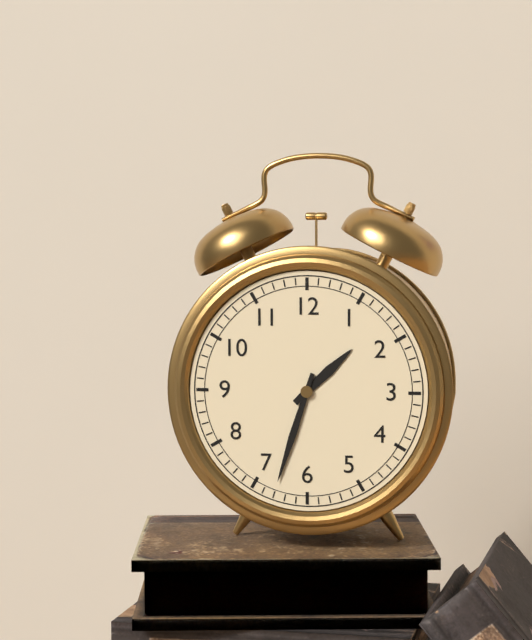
h=1 m=33
